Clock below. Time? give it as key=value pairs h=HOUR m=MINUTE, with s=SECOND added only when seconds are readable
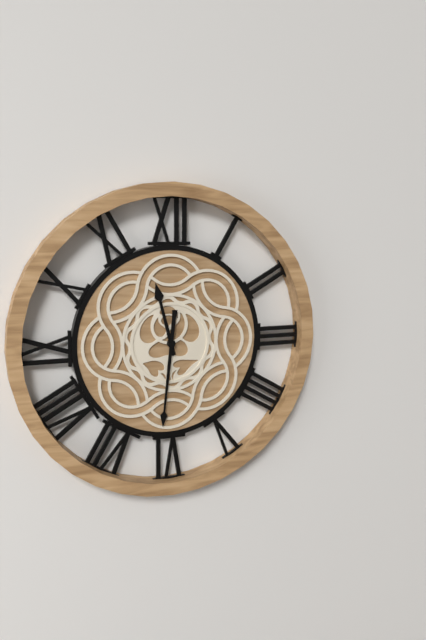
h=11 m=31
